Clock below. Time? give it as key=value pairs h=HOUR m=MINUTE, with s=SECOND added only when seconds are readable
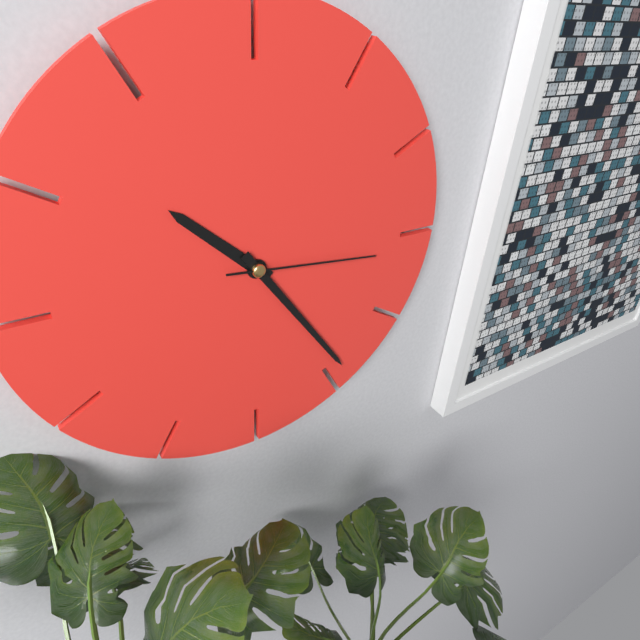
h=10 m=24 s=16
